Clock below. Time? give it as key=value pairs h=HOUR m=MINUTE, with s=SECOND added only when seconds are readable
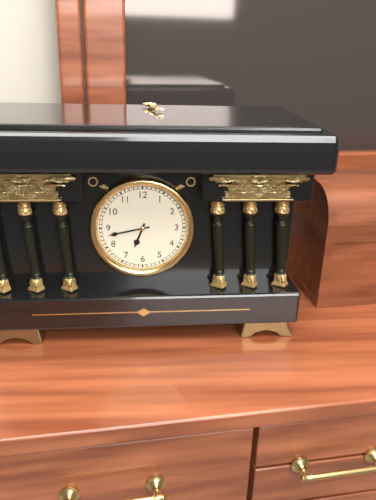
h=6 m=43
